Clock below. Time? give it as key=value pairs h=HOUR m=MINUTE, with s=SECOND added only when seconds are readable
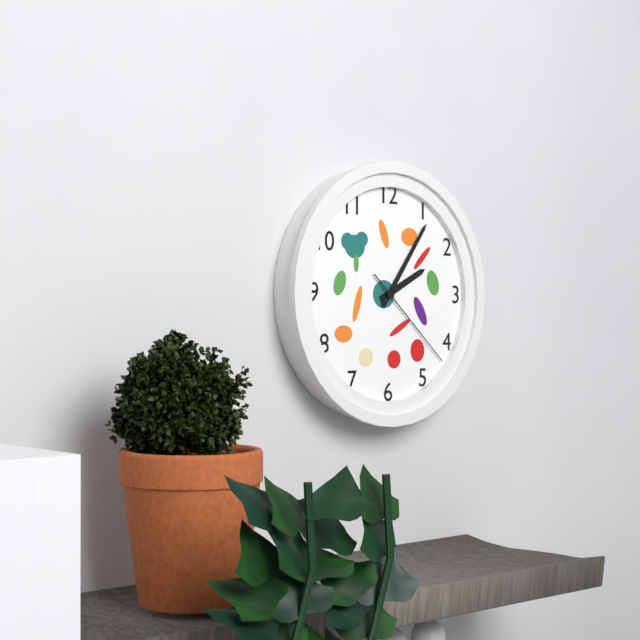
h=2 m=6 s=22
